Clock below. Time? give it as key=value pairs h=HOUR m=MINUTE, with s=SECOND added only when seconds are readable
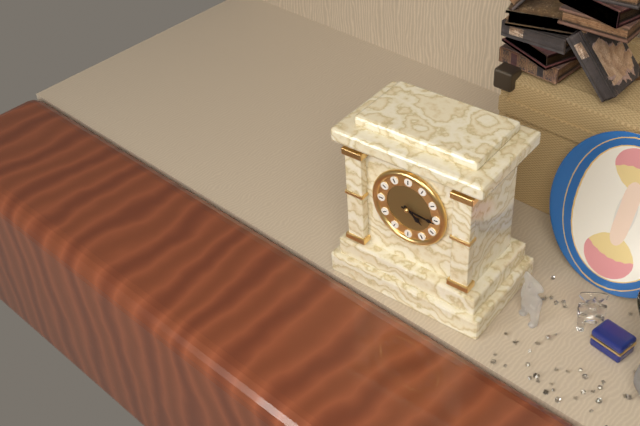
h=4 m=16
